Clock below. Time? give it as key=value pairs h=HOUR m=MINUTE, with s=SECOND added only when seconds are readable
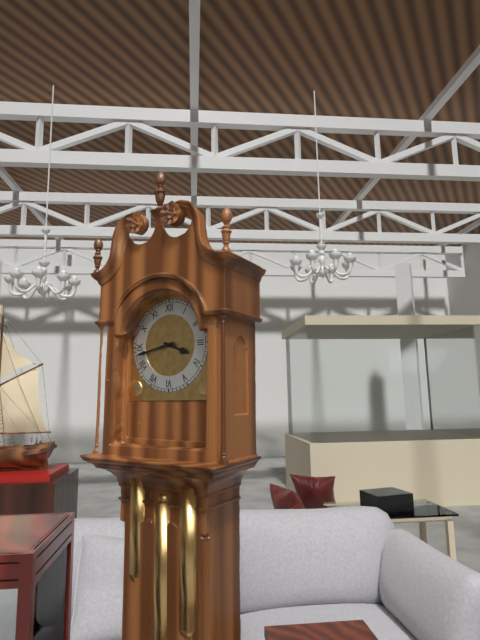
h=3 m=43
